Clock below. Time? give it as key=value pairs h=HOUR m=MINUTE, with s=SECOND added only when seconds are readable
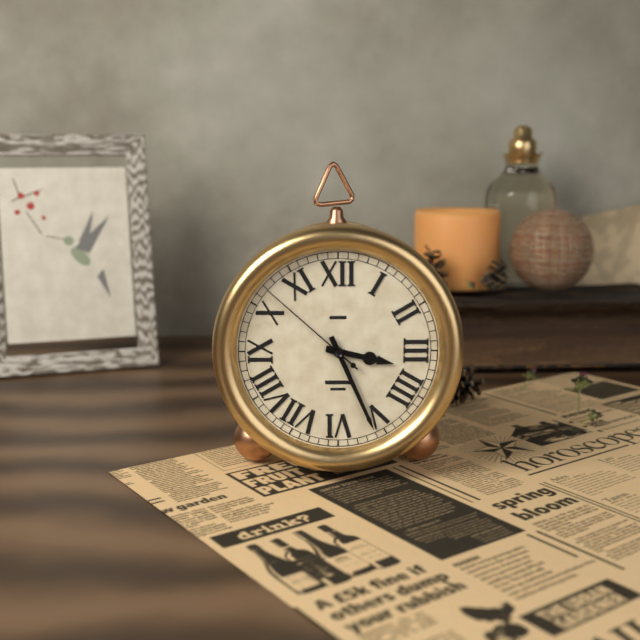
h=3 m=26 s=52
